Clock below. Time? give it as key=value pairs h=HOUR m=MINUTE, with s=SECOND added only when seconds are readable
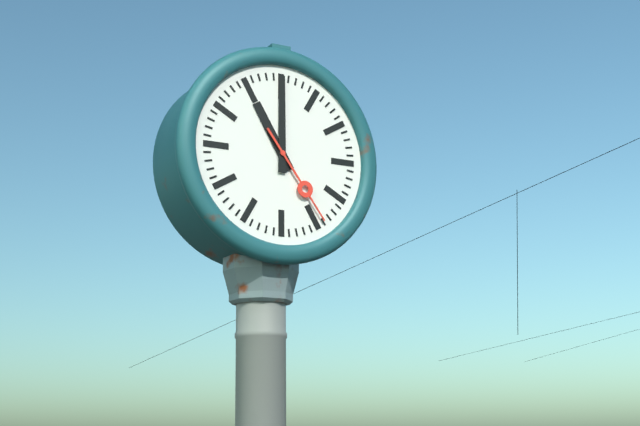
h=11 m=0 s=24
